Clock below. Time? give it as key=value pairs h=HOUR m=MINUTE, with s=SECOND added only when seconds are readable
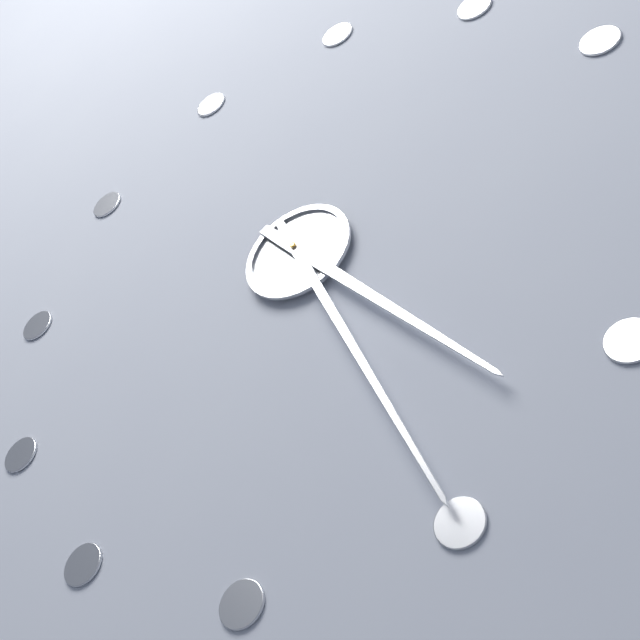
h=4 m=25
